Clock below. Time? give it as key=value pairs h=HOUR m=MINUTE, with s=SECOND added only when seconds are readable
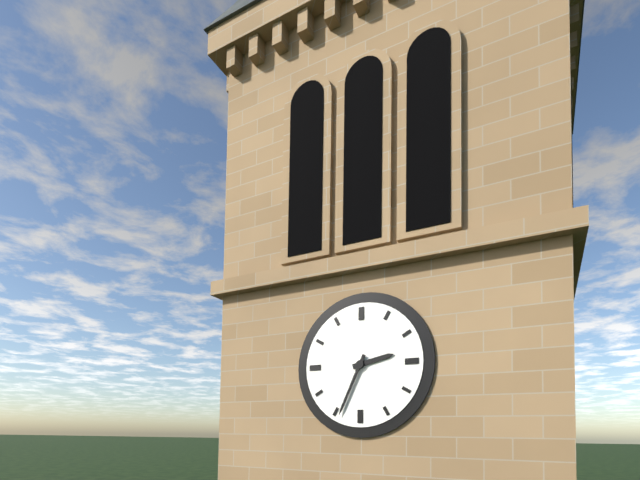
h=2 m=34
